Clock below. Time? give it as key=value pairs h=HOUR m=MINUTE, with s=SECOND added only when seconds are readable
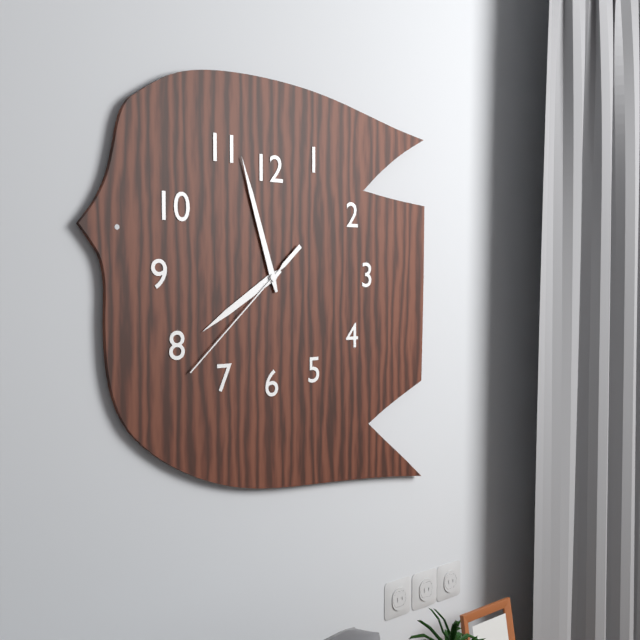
h=7 m=57 s=38
